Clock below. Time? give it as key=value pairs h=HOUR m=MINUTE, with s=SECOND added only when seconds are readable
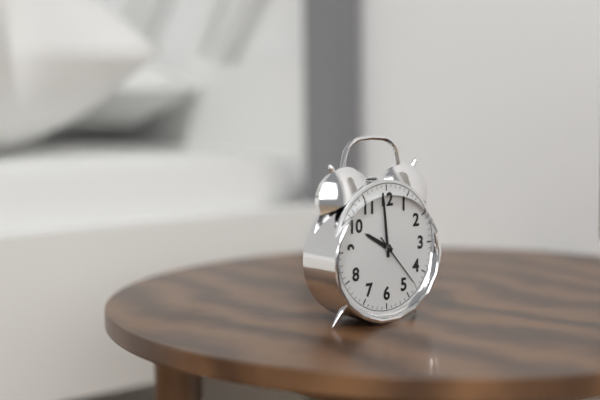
h=9 m=59 s=23
